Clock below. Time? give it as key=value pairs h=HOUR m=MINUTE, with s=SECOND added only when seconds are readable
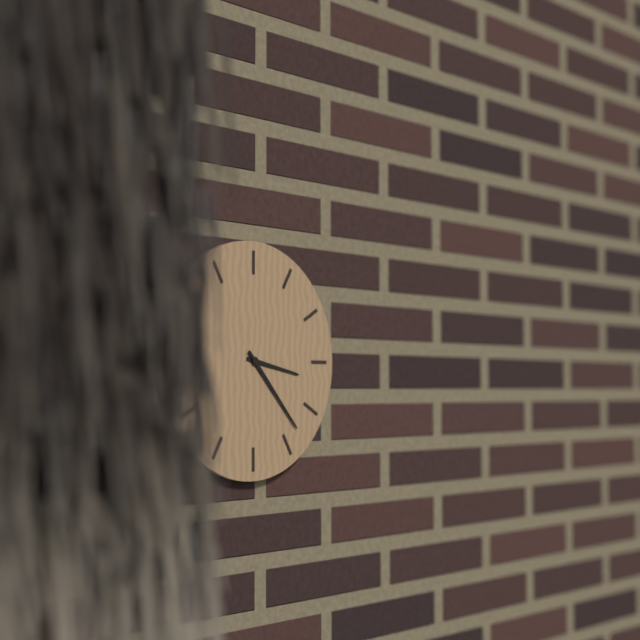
h=3 m=23
